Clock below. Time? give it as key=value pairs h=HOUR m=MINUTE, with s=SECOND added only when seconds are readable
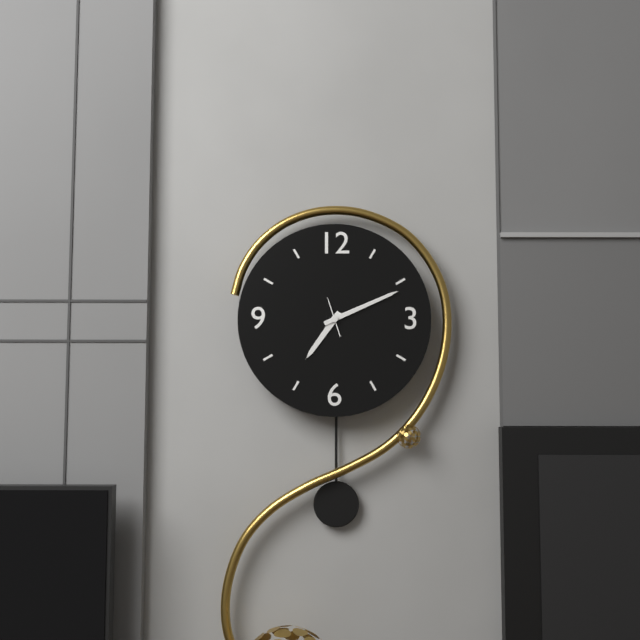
h=7 m=11
